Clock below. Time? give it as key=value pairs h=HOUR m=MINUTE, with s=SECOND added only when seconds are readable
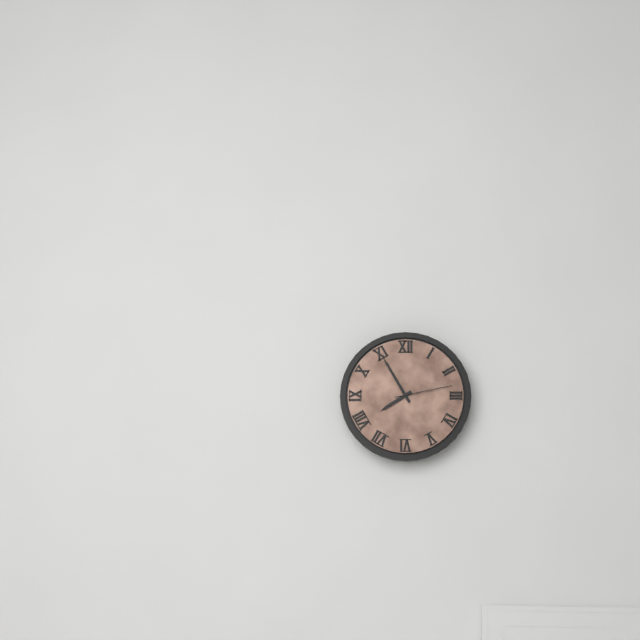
h=7 m=55 s=13
